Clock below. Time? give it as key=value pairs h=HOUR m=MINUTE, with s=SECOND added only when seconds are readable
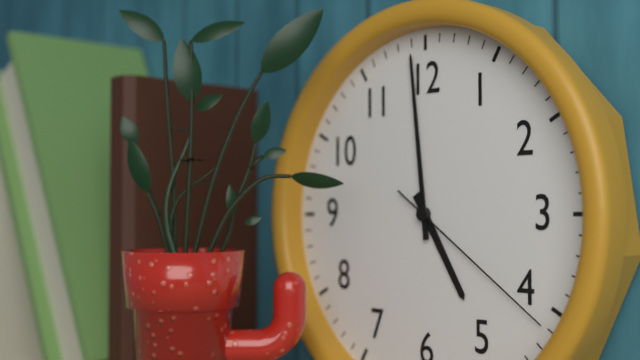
h=4 m=59 s=21
